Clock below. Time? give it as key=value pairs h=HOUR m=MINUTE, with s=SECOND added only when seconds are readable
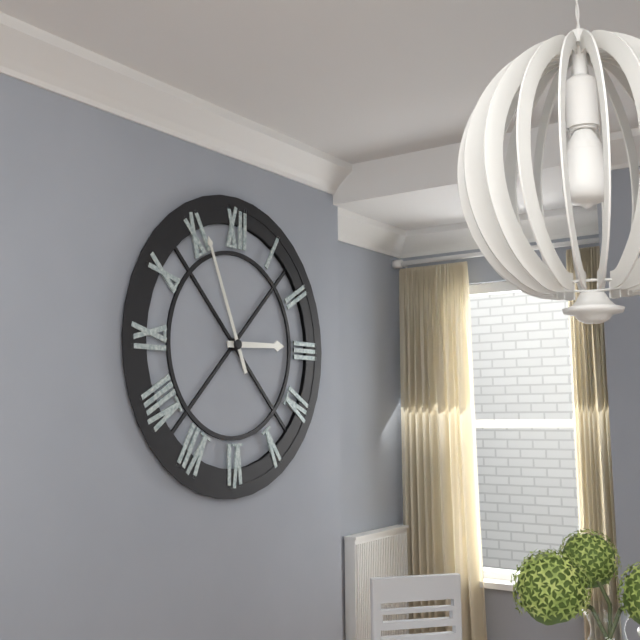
h=2 m=56
